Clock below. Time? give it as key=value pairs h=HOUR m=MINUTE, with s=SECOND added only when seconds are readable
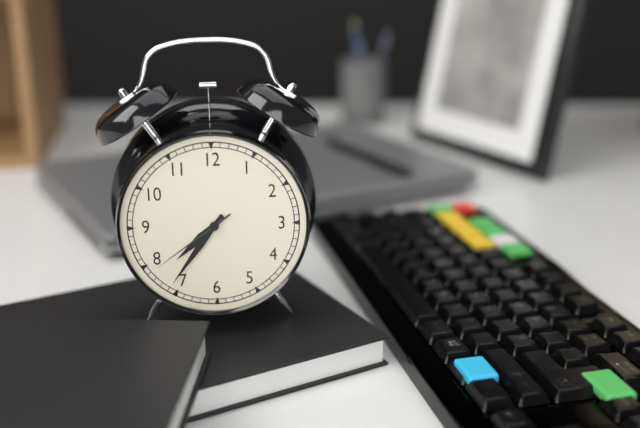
h=7 m=36 s=39
